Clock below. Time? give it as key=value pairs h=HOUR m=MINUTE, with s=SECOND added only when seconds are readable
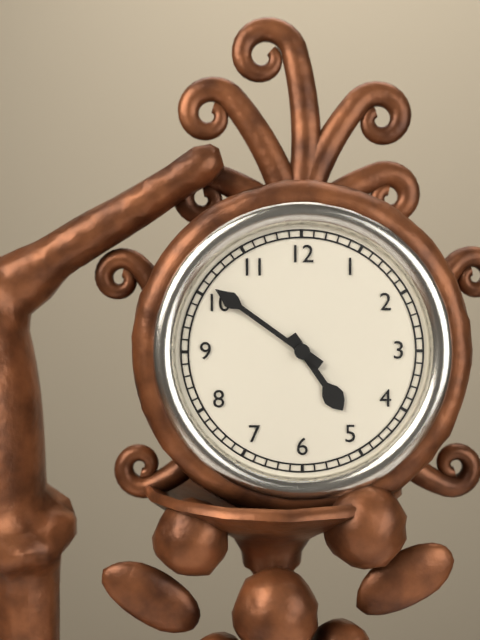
h=4 m=51
